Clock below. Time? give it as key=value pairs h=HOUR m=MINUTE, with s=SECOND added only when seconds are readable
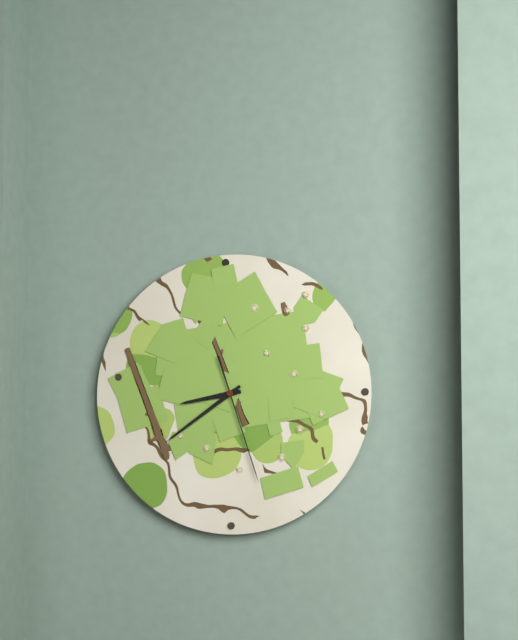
h=8 m=39 s=27
